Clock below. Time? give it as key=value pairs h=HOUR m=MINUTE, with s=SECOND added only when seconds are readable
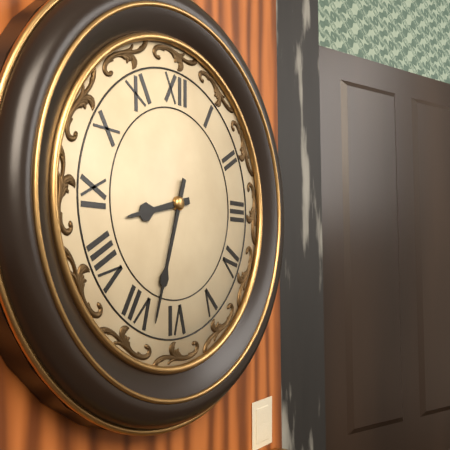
h=8 m=33
